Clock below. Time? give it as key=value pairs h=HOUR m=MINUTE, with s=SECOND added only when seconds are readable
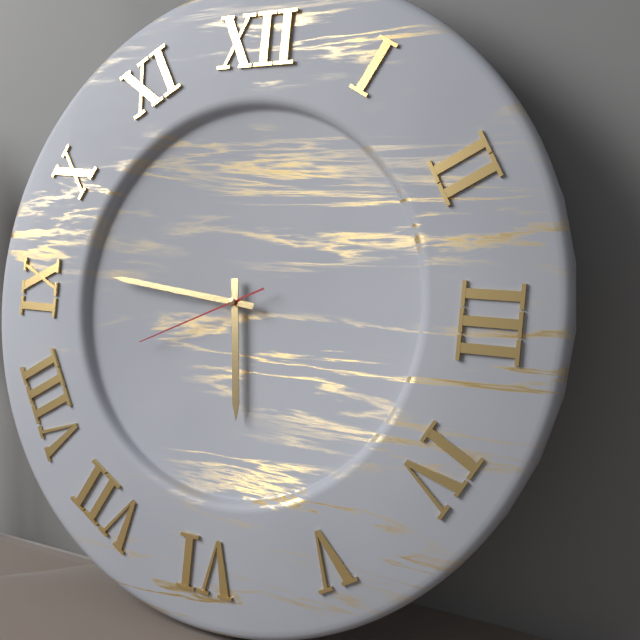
h=5 m=46 s=41
